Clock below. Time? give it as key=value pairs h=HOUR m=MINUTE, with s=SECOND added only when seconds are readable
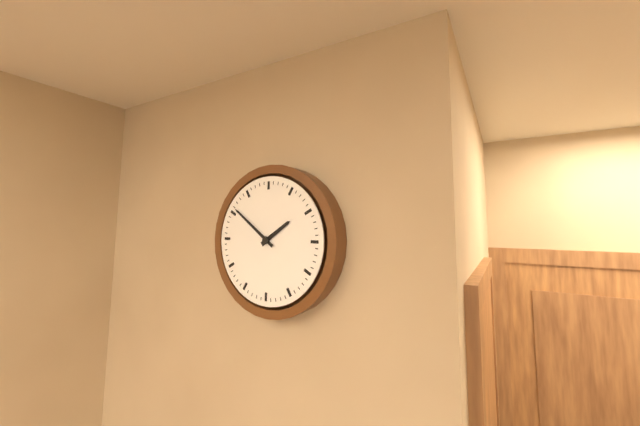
h=1 m=51
